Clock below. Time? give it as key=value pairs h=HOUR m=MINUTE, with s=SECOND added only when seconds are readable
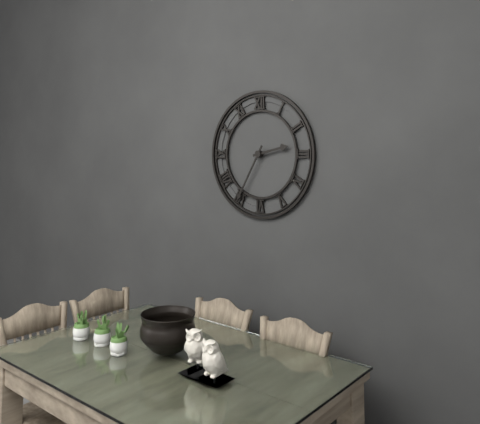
h=2 m=35
